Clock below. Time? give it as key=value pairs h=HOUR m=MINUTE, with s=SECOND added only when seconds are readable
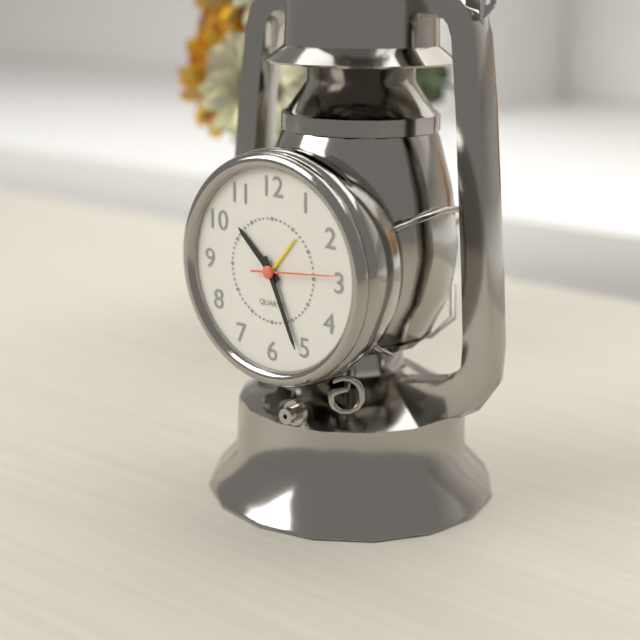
h=10 m=26 s=14
